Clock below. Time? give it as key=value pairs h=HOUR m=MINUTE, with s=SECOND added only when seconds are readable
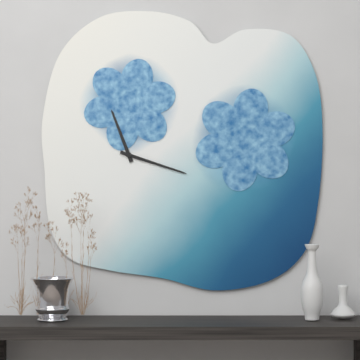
h=11 m=18
